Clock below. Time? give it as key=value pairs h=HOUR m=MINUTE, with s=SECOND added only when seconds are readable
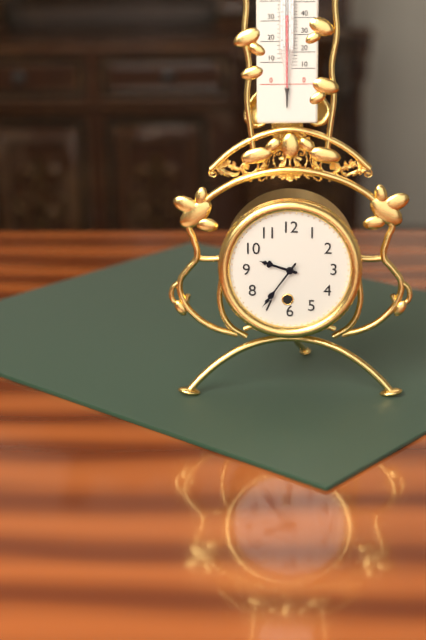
h=9 m=36
